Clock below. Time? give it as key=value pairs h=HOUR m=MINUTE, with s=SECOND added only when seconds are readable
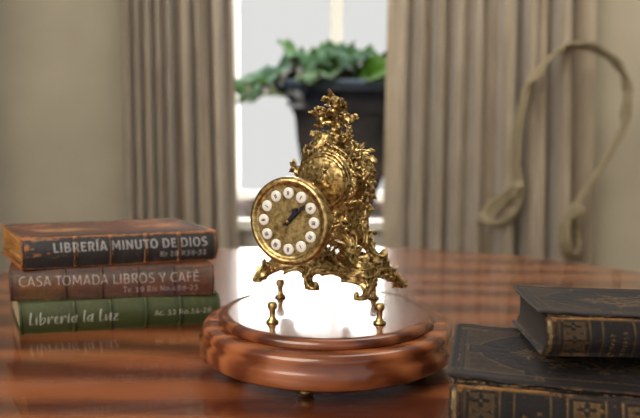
h=1 m=8
